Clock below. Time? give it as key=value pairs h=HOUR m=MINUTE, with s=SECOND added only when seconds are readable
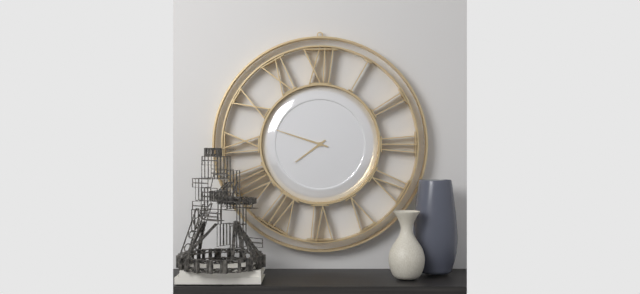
h=7 m=48
